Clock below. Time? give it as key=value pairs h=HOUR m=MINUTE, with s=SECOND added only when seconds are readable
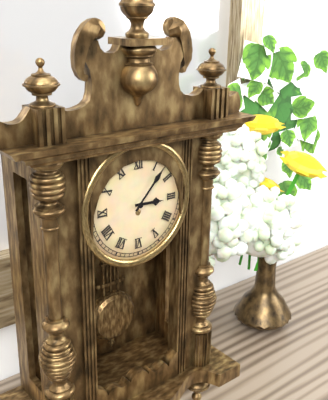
h=3 m=7
